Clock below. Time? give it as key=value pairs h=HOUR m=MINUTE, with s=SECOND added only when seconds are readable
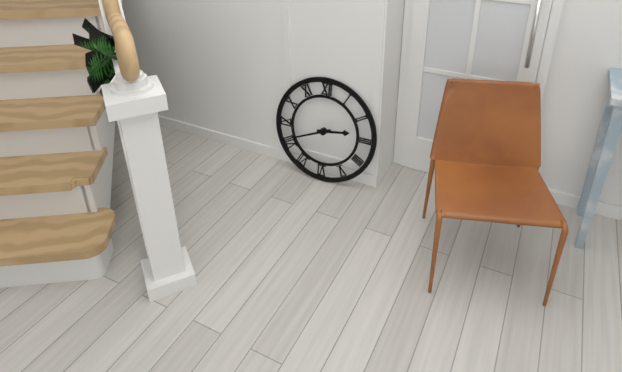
h=2 m=41
